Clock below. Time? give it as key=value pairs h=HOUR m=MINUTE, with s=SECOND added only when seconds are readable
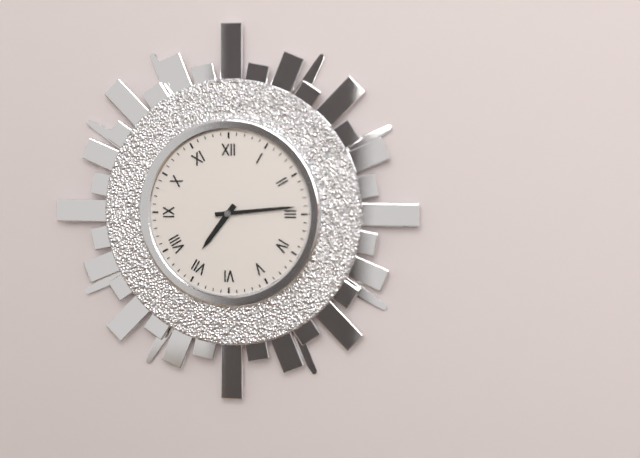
h=7 m=14
